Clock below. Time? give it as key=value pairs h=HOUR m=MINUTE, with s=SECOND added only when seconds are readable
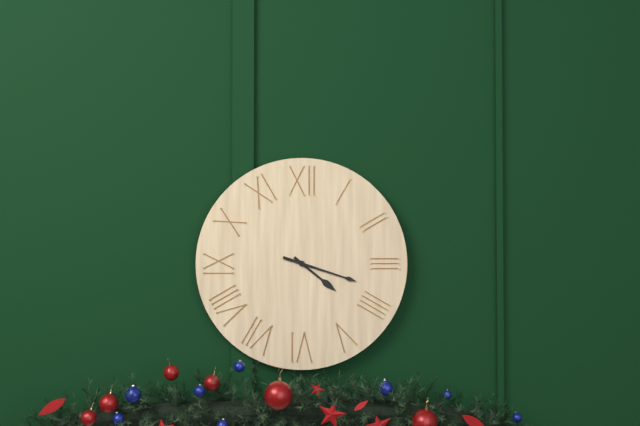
h=4 m=18
